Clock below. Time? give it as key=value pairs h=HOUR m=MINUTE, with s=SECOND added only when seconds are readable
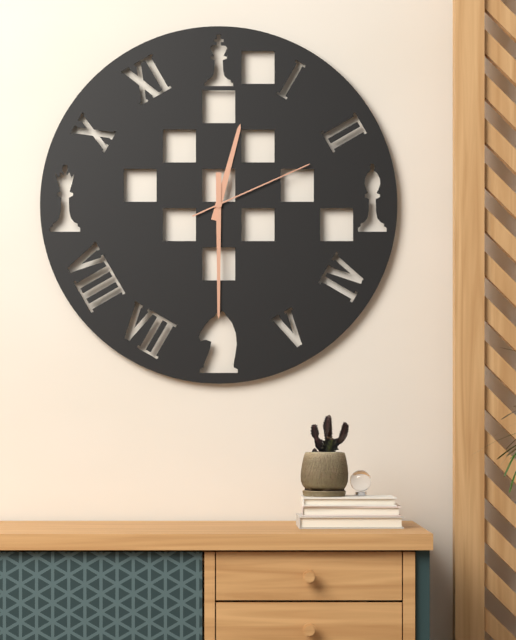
h=12 m=30 s=11
